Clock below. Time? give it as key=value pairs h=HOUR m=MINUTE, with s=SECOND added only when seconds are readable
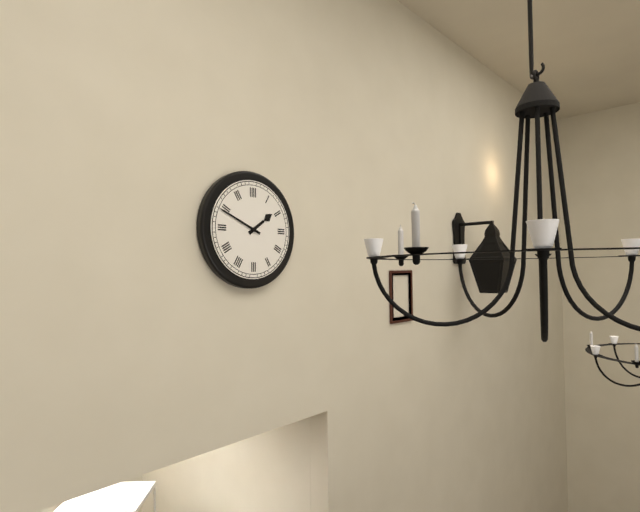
h=1 m=49
